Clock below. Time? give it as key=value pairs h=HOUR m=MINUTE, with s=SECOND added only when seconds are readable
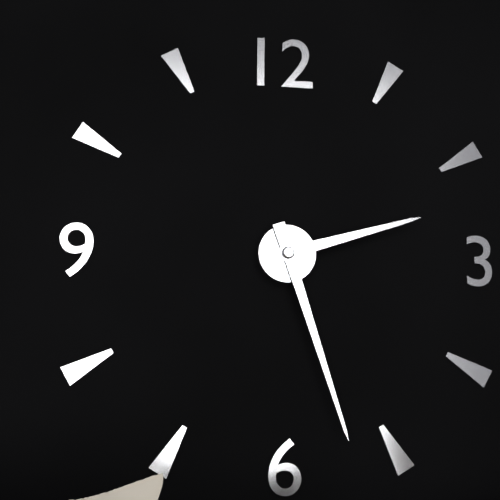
h=2 m=27
